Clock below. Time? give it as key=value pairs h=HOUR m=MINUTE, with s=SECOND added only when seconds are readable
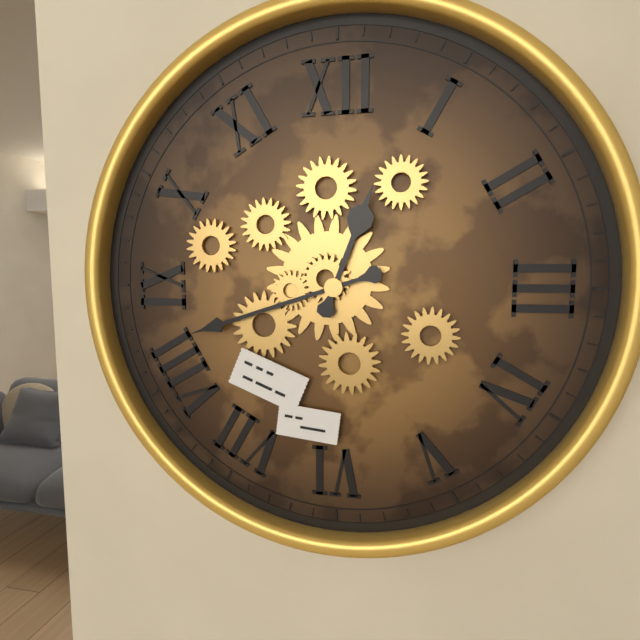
h=12 m=42
